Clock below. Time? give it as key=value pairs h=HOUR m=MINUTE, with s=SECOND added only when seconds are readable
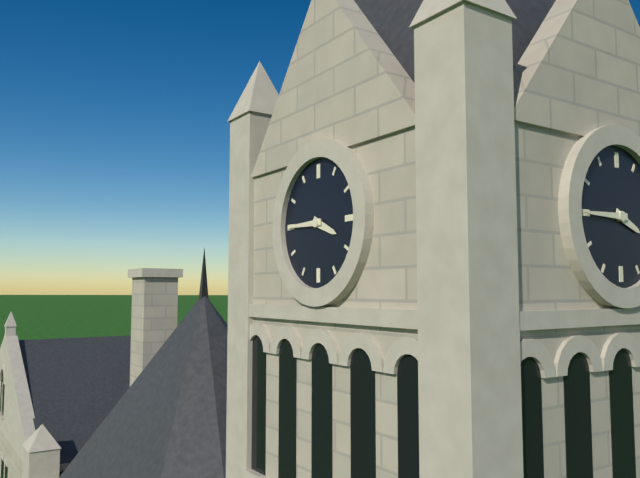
h=3 m=45
